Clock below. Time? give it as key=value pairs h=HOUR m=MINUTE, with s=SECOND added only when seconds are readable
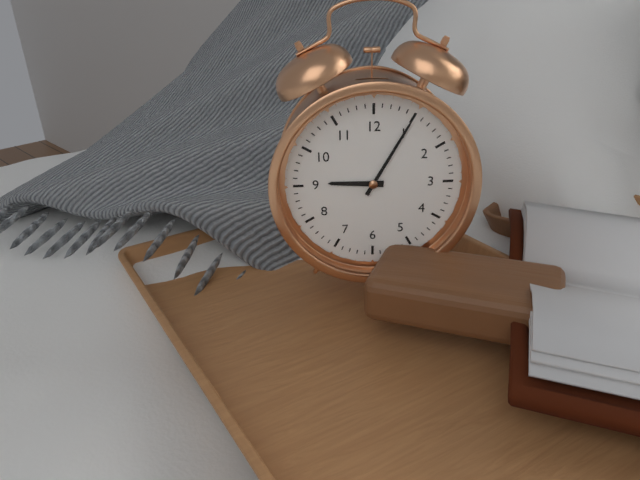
h=9 m=5
